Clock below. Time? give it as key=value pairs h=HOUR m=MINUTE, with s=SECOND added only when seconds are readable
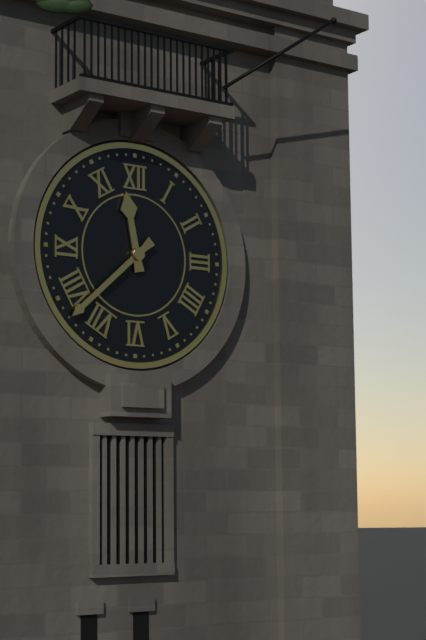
h=11 m=38
